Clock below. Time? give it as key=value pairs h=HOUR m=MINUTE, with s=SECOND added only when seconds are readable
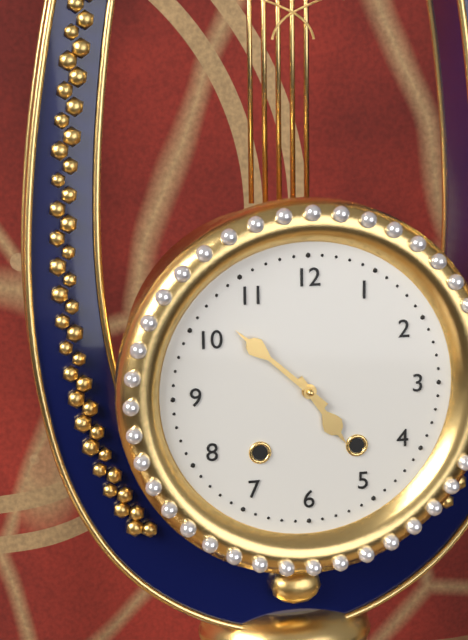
h=4 m=52
